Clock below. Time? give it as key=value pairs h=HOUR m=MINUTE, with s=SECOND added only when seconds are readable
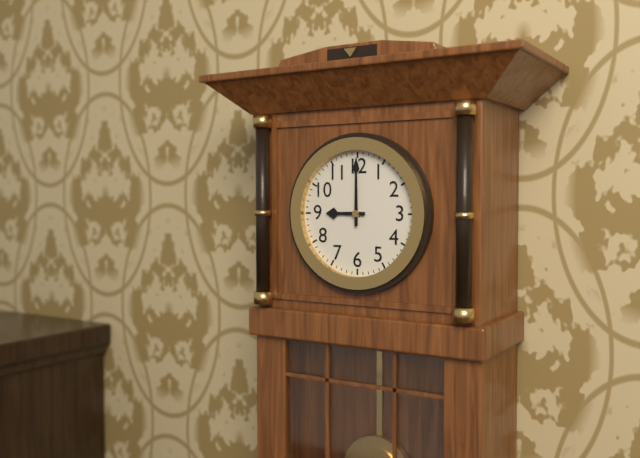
h=9 m=0
